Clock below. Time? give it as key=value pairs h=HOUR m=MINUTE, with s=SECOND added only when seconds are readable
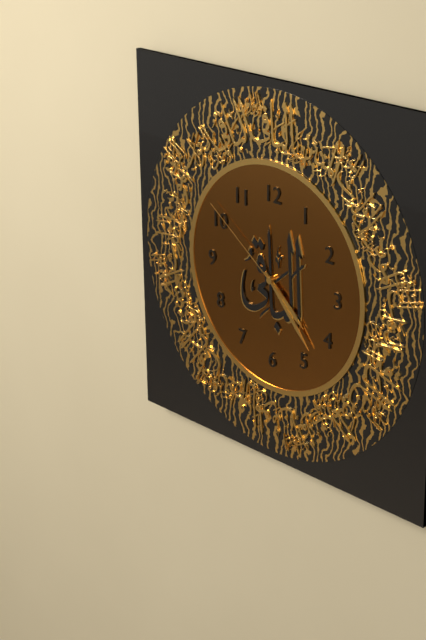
h=4 m=23 s=51
